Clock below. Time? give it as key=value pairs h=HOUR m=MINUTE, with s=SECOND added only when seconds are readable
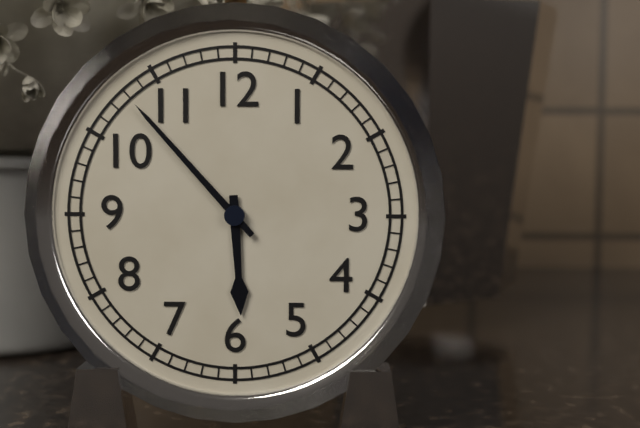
h=5 m=53
